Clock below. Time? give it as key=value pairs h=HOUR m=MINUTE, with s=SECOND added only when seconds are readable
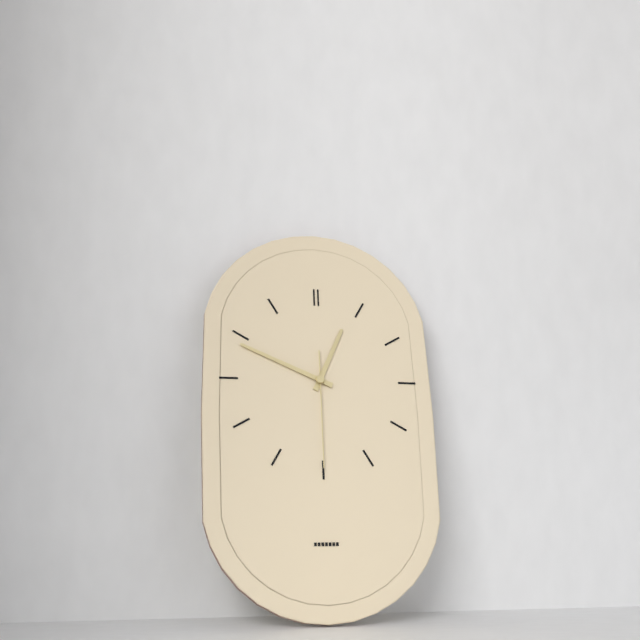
h=12 m=49 s=30
